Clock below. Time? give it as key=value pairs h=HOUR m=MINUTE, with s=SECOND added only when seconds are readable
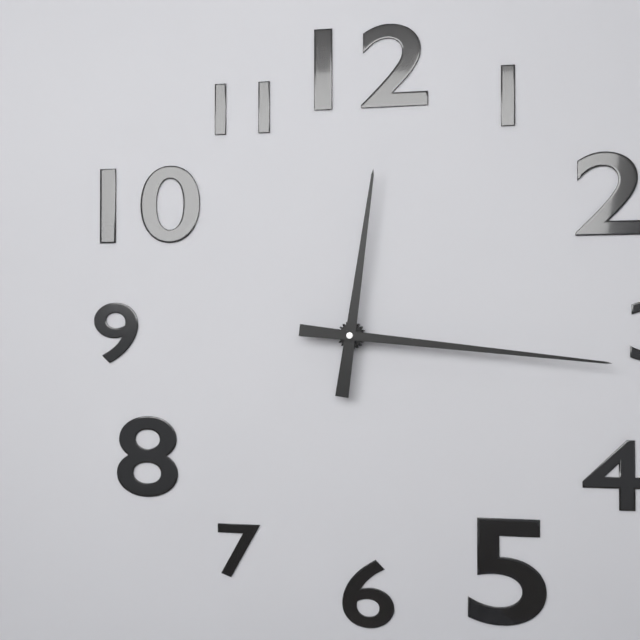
h=12 m=16
